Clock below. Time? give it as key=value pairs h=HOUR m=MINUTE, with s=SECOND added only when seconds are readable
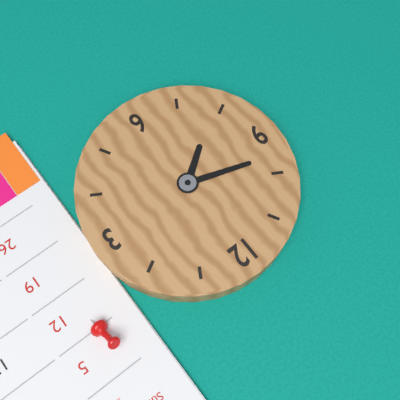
h=7 m=48
